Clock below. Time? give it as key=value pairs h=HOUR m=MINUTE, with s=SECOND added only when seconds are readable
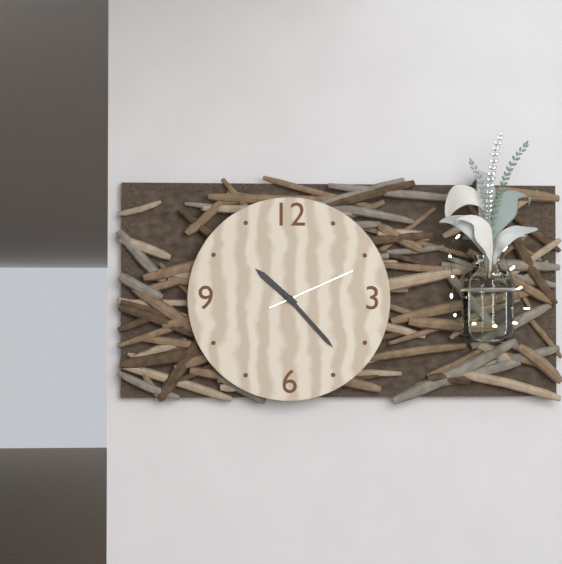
h=10 m=23 s=11
